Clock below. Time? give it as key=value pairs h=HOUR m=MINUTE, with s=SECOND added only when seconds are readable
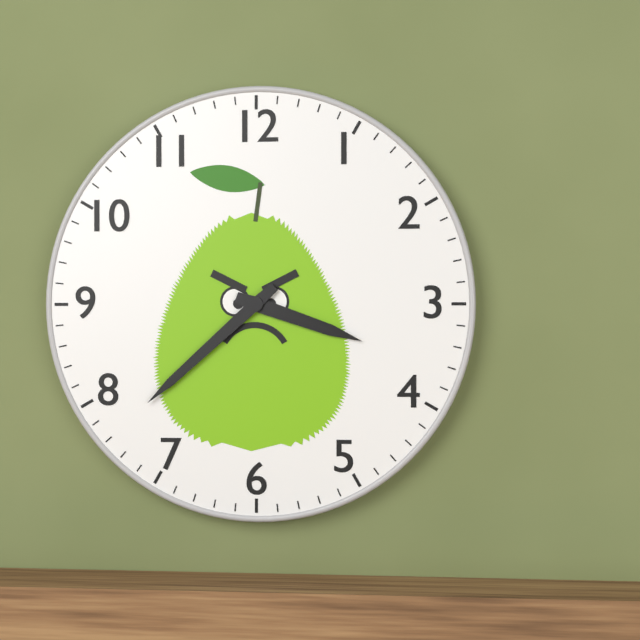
h=3 m=38
